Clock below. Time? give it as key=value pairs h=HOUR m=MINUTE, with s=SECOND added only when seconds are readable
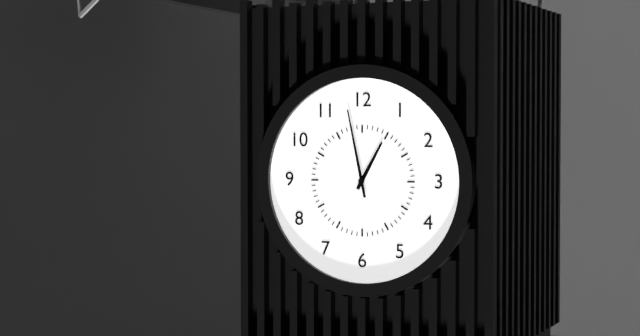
h=12 m=58
